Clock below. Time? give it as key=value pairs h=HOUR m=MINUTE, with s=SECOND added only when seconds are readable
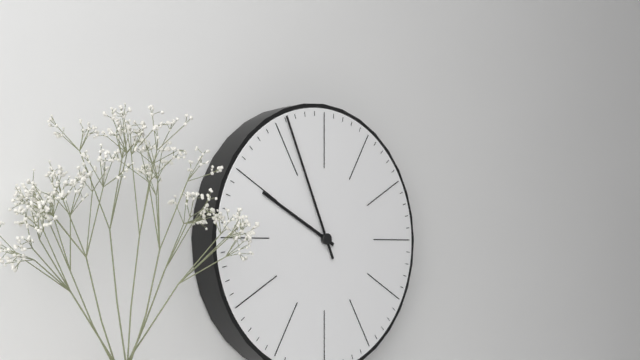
h=9 m=56
